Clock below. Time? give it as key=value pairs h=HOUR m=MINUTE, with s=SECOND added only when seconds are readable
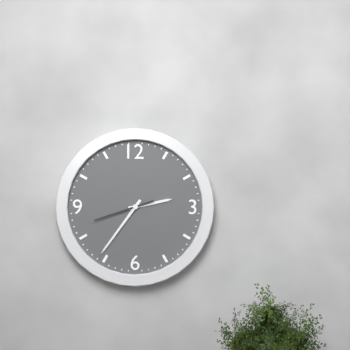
h=2 m=36 s=42
